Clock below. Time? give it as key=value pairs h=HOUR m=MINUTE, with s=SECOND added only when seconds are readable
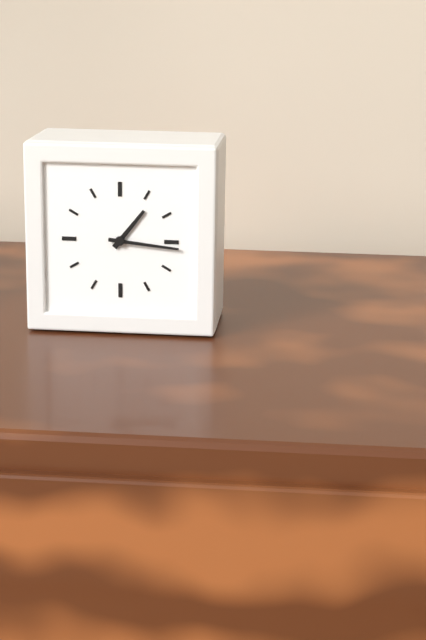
h=1 m=16
